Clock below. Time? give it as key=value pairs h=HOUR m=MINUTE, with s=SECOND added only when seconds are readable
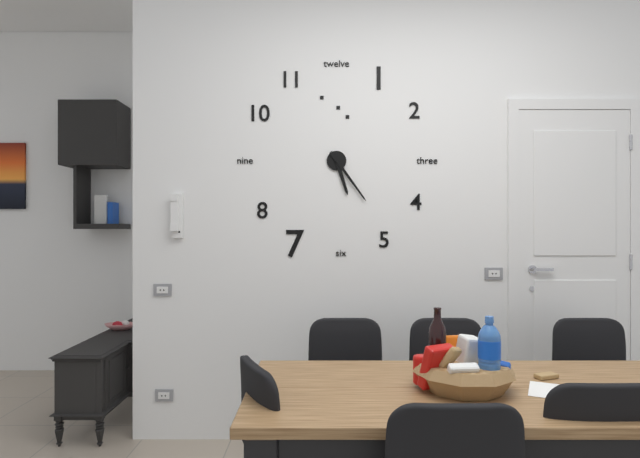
h=5 m=24
